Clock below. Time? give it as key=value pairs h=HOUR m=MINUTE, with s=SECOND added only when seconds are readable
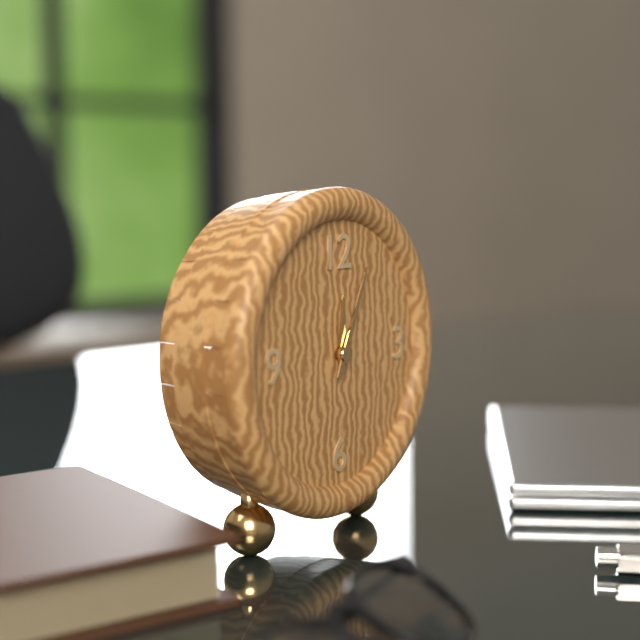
h=12 m=4
